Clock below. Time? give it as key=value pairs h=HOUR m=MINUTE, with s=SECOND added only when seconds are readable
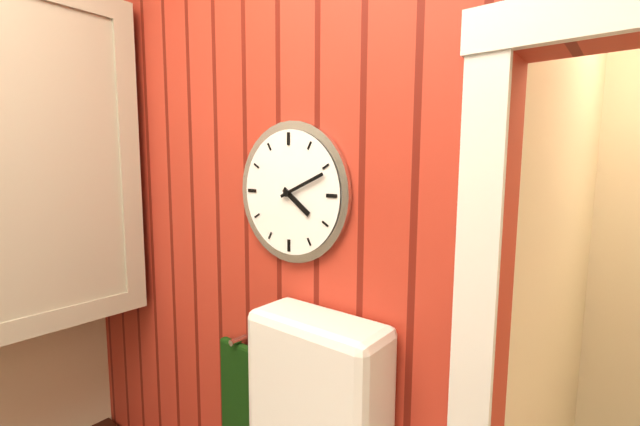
h=4 m=11
